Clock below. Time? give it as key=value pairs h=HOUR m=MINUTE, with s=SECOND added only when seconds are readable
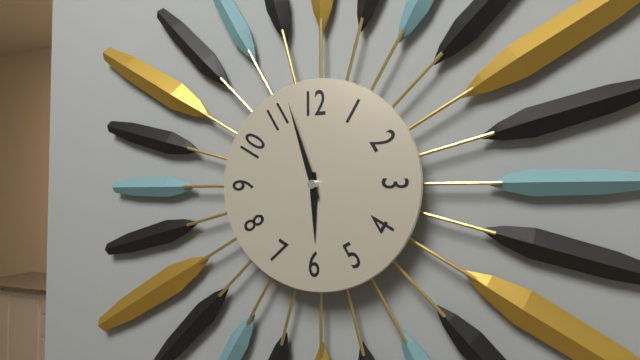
h=5 m=57
